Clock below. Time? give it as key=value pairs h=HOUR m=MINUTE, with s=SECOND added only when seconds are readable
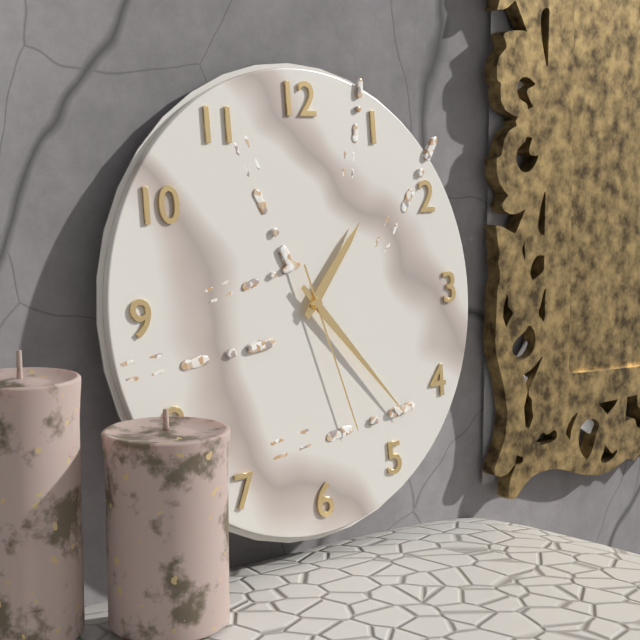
h=1 m=23 s=27
